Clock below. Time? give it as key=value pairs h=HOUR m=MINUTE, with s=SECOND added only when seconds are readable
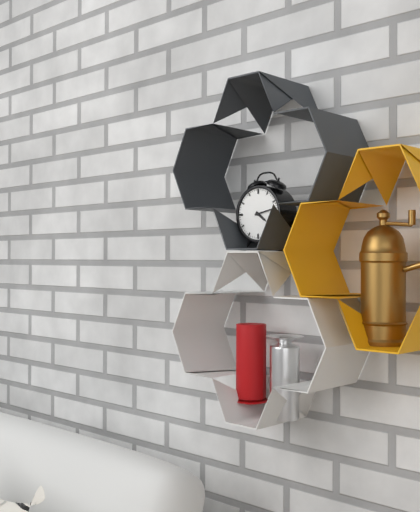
h=4 m=13
